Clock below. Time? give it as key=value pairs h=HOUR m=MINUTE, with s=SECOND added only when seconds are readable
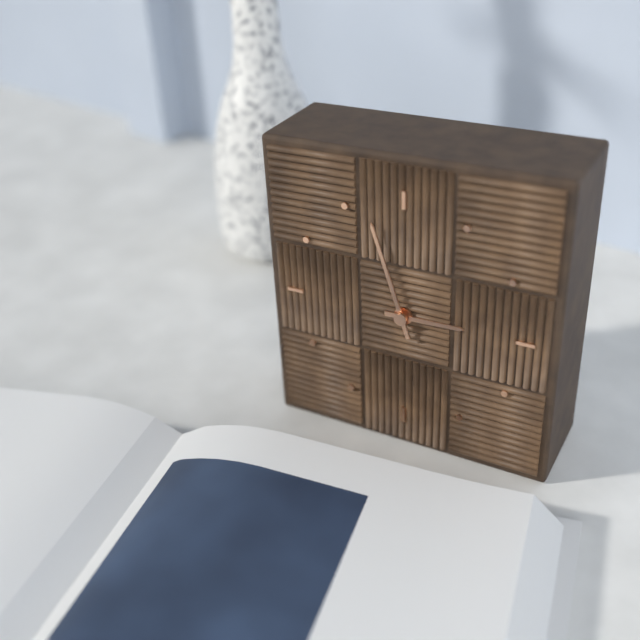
h=2 m=57
